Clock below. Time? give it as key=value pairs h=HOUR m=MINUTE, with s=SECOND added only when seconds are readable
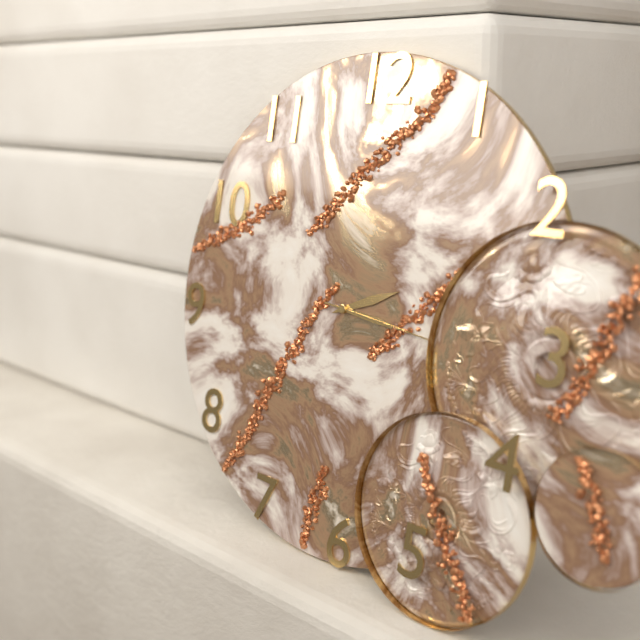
h=2 m=16 s=16
